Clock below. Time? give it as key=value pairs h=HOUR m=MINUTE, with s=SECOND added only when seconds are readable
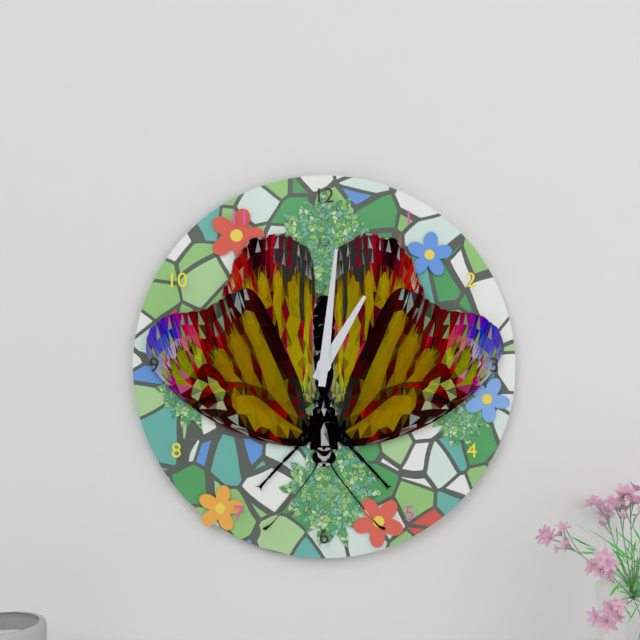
h=1 m=1
